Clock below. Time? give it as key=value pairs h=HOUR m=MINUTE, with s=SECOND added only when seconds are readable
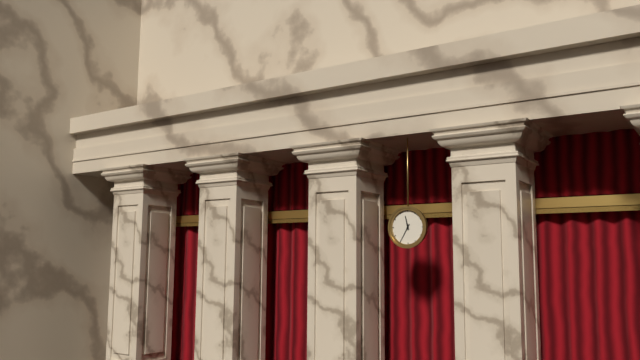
h=11 m=35
